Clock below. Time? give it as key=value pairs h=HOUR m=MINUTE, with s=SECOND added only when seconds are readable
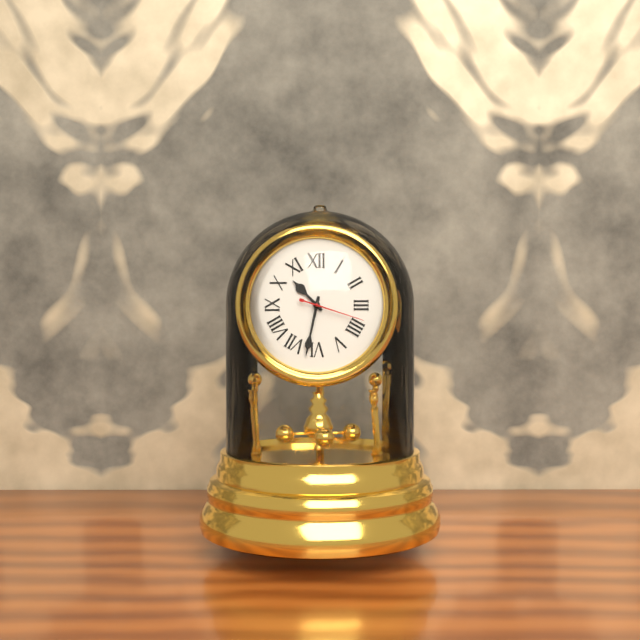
h=10 m=32 s=18
